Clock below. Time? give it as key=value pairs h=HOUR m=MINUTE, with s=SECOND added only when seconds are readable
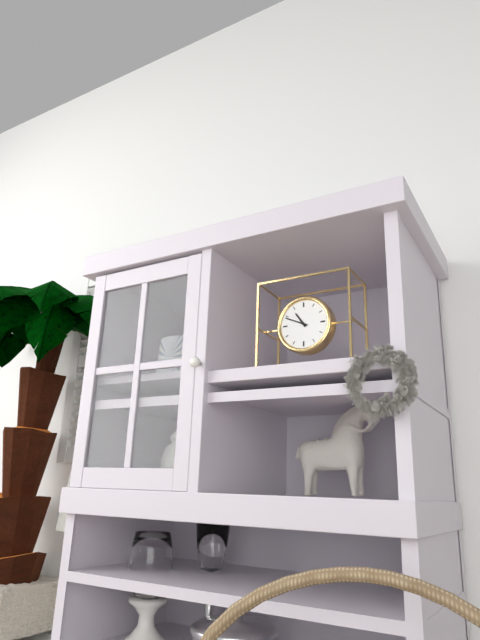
h=10 m=49
